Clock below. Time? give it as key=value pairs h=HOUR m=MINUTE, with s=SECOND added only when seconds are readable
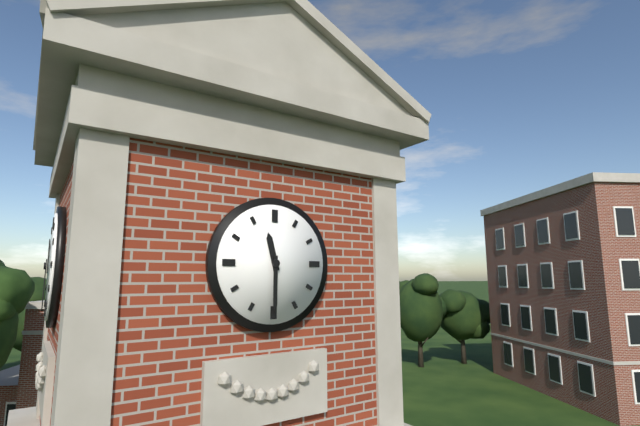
h=11 m=30
